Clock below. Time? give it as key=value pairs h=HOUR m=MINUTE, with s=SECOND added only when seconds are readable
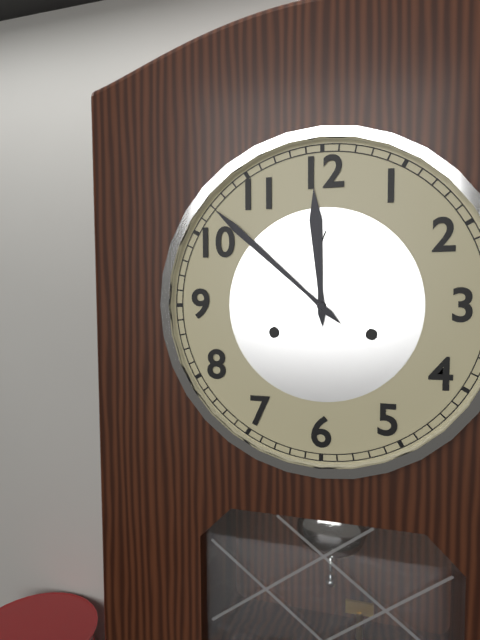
h=11 m=52
